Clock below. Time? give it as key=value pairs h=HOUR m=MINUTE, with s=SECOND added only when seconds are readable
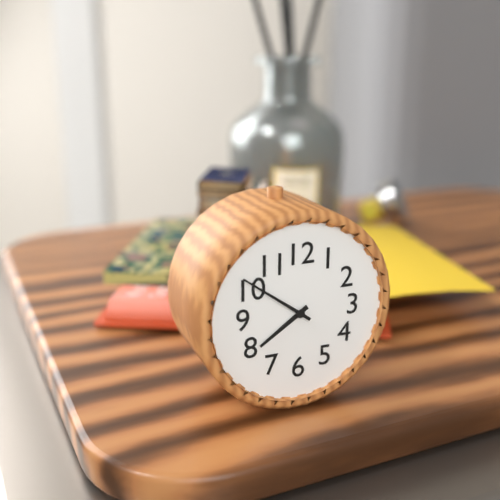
h=7 m=51
